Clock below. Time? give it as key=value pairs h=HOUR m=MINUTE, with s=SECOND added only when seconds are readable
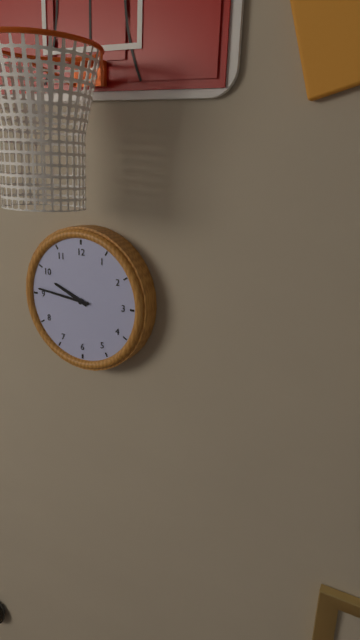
h=9 m=46
